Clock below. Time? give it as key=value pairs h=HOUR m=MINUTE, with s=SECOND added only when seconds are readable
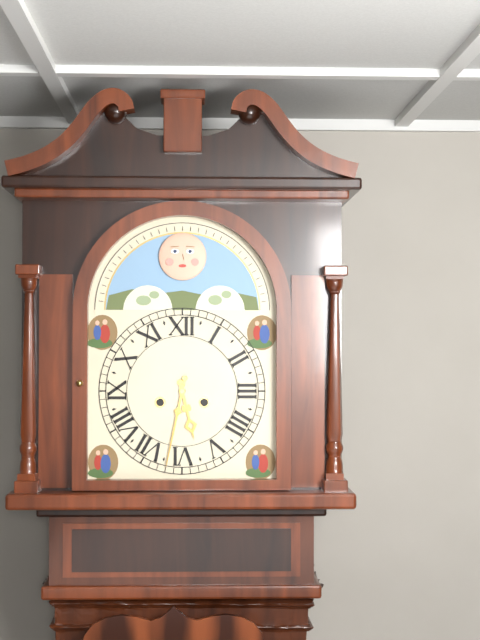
h=5 m=32
